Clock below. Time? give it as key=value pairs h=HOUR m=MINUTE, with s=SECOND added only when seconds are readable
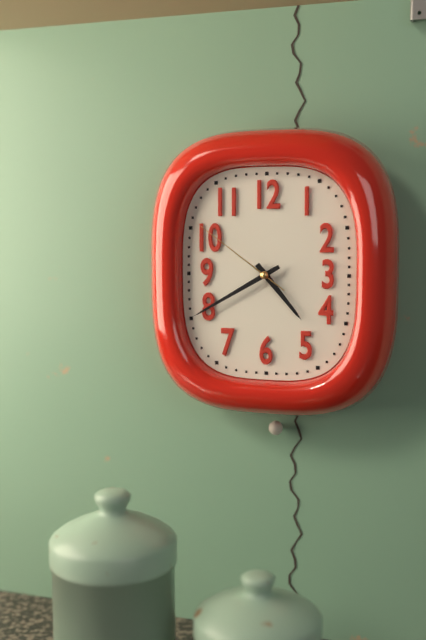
h=4 m=40 s=51
